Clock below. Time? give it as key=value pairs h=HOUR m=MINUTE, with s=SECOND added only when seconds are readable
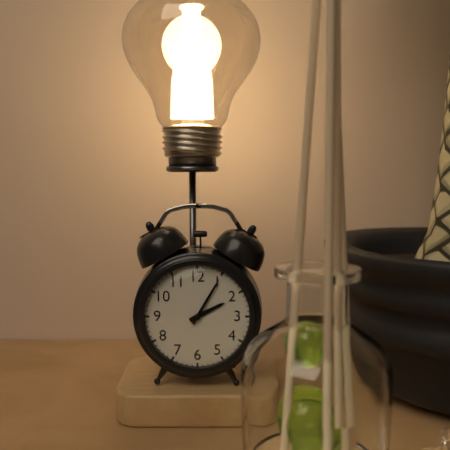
h=2 m=5
